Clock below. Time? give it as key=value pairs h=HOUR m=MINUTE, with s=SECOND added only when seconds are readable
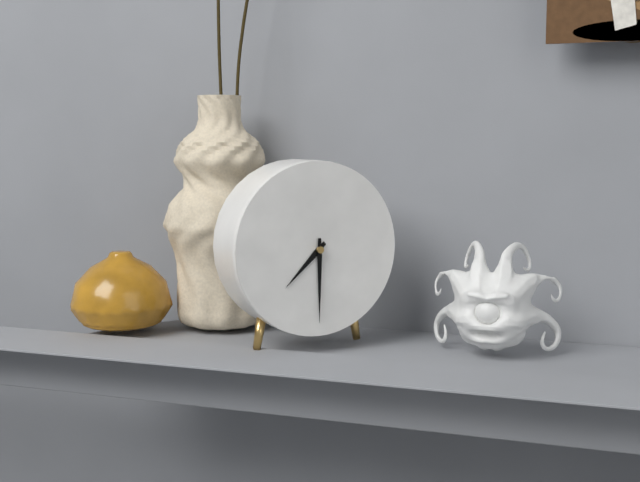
h=7 m=30
